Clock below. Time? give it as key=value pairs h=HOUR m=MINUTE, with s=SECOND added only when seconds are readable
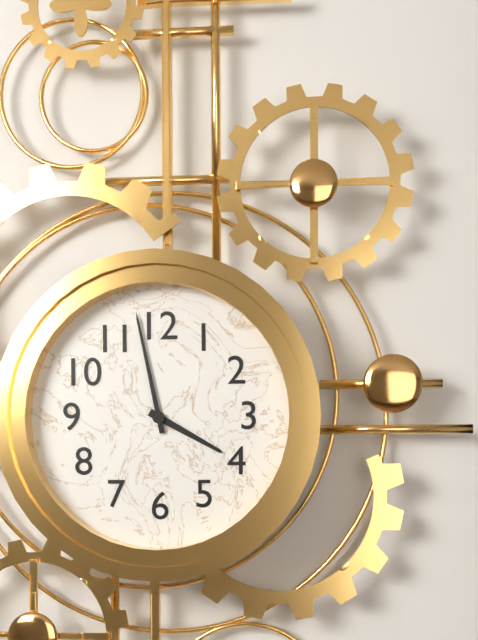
h=3 m=58
